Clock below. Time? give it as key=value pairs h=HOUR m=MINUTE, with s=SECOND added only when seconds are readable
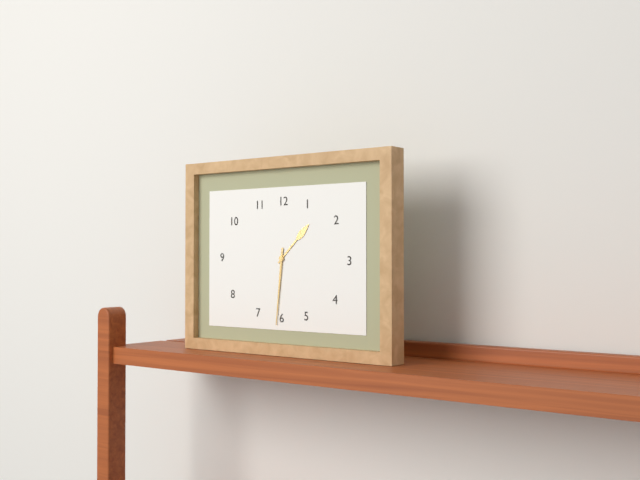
h=1 m=31
